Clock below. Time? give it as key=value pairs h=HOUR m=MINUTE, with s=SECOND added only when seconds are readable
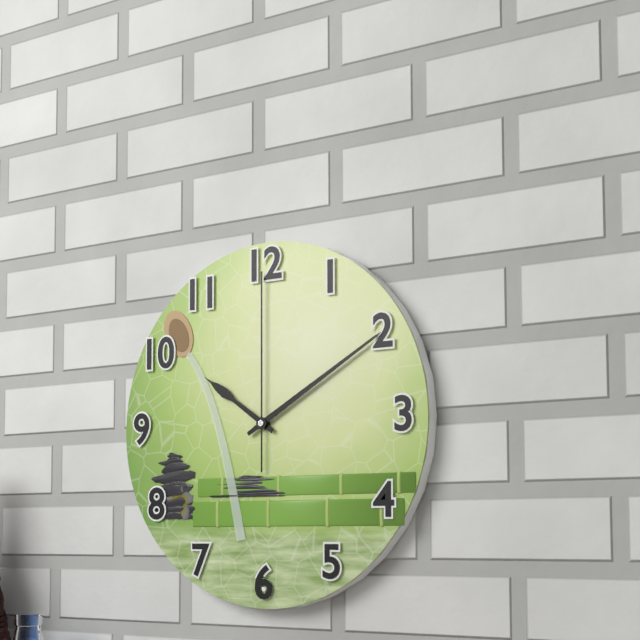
h=10 m=10 s=0
